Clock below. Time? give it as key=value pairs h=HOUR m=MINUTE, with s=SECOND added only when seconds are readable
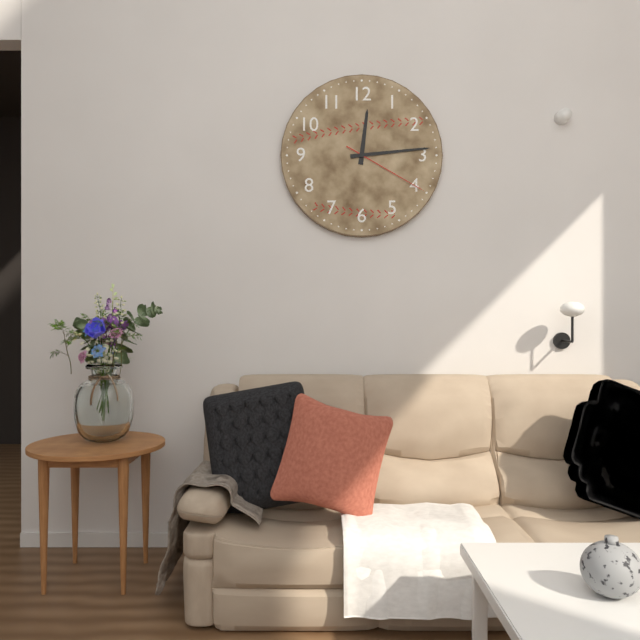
h=12 m=14 s=20
